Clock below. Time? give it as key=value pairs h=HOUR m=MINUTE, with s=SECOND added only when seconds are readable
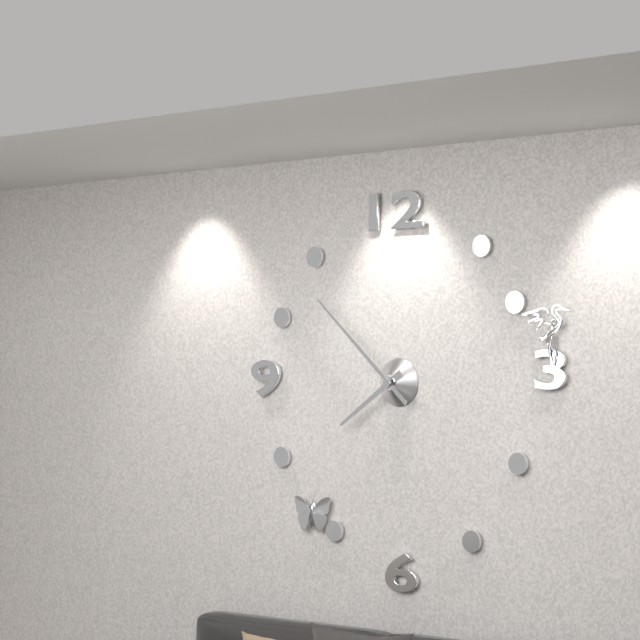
h=7 m=52
